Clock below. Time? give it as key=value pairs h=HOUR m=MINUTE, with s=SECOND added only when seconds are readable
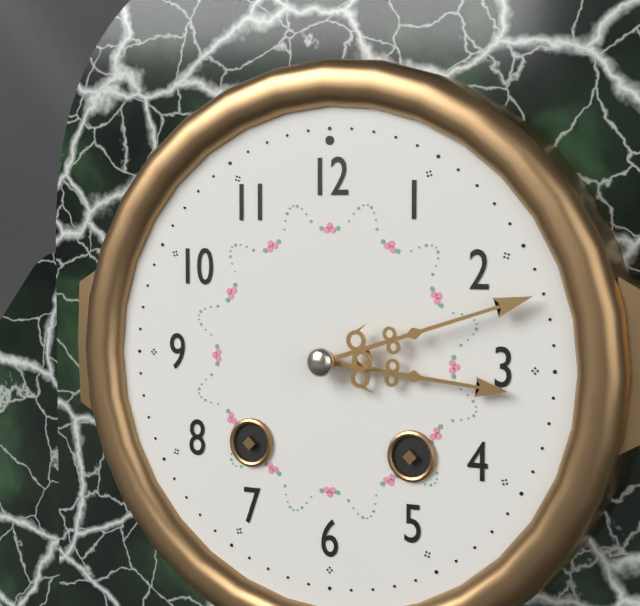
h=3 m=12
